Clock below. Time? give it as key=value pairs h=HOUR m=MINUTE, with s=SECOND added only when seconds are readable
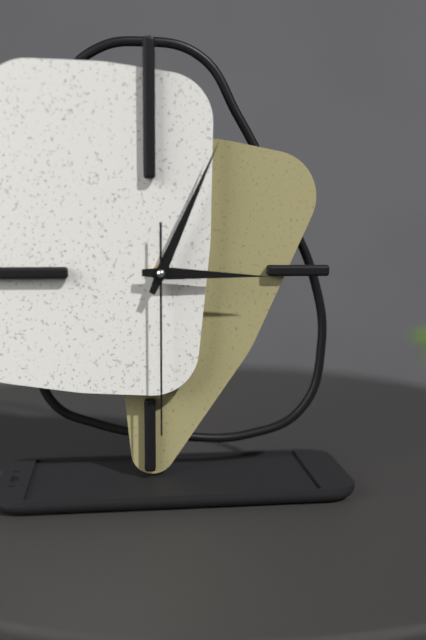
h=3 m=4 s=30
